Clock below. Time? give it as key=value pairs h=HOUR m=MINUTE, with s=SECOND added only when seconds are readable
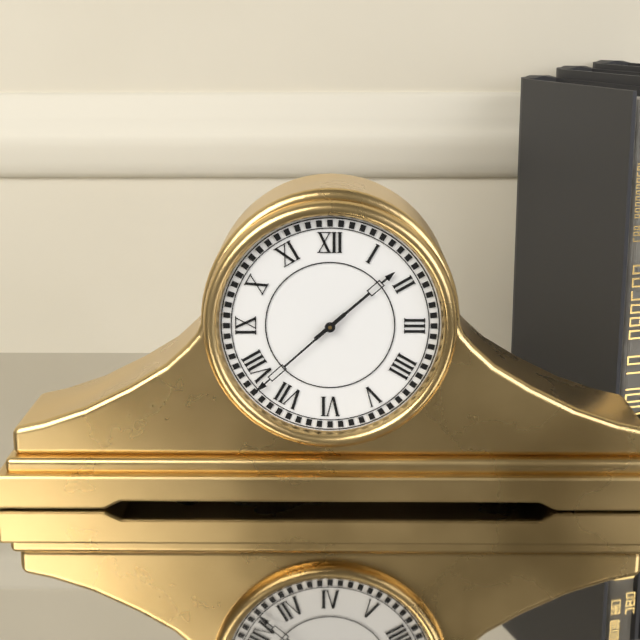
h=1 m=38
